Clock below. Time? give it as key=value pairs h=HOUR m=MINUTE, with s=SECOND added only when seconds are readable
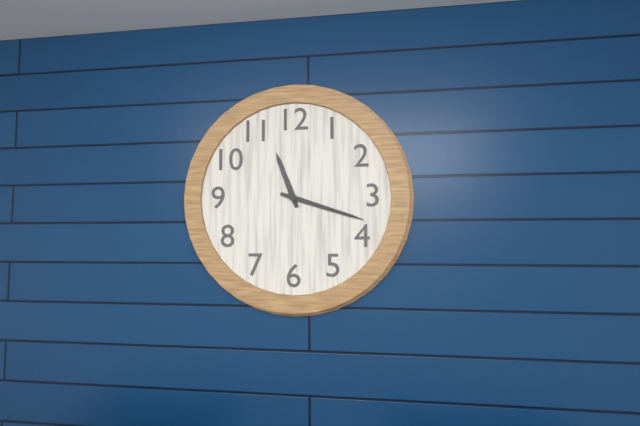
h=11 m=18
